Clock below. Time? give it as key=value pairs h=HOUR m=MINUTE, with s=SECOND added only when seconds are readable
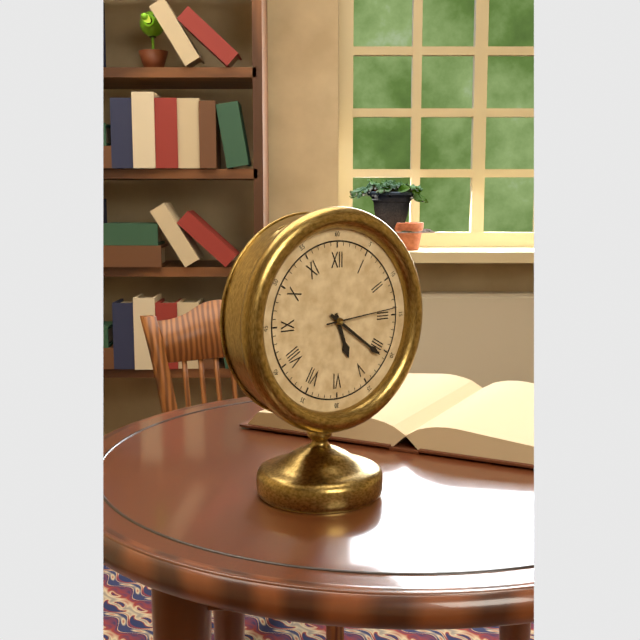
h=5 m=21 s=14
